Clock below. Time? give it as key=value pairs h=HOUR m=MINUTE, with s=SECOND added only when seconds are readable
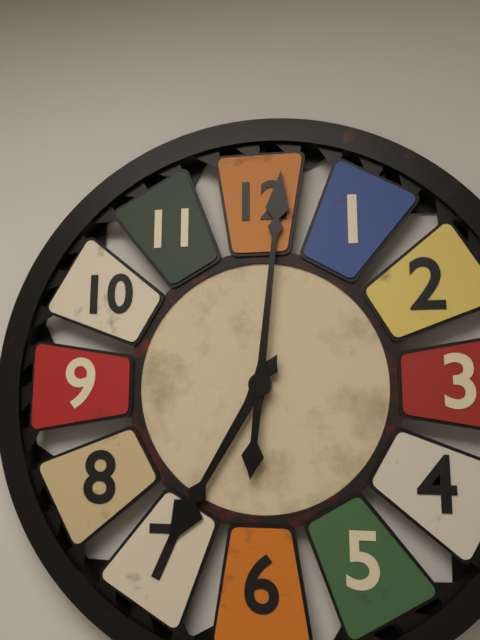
h=7 m=1
